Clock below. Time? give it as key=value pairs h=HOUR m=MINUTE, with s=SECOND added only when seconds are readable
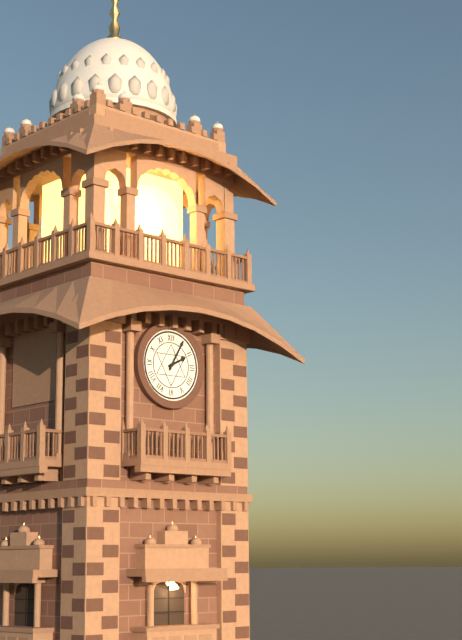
h=2 m=5
